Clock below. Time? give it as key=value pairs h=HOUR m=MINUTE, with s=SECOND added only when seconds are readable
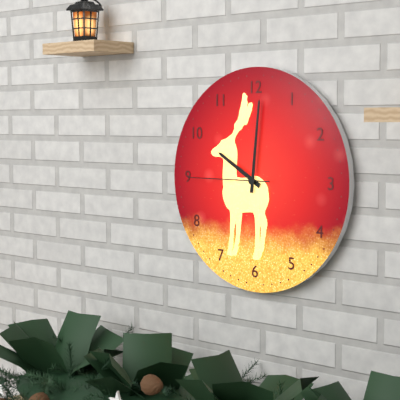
h=10 m=1 s=45
